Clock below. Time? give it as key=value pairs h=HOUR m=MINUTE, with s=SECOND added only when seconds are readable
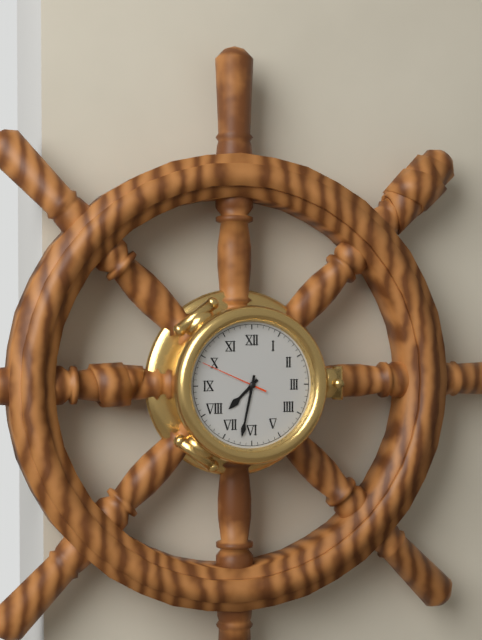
h=7 m=32 s=49
